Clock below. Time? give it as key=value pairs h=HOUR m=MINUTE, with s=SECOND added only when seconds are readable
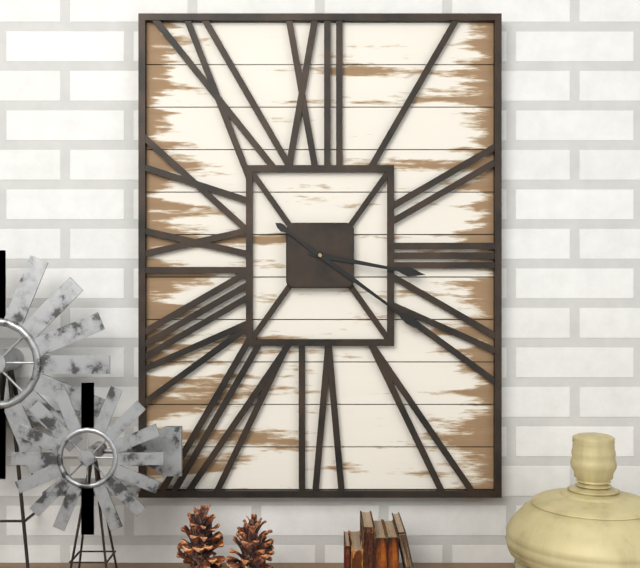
h=3 m=21
